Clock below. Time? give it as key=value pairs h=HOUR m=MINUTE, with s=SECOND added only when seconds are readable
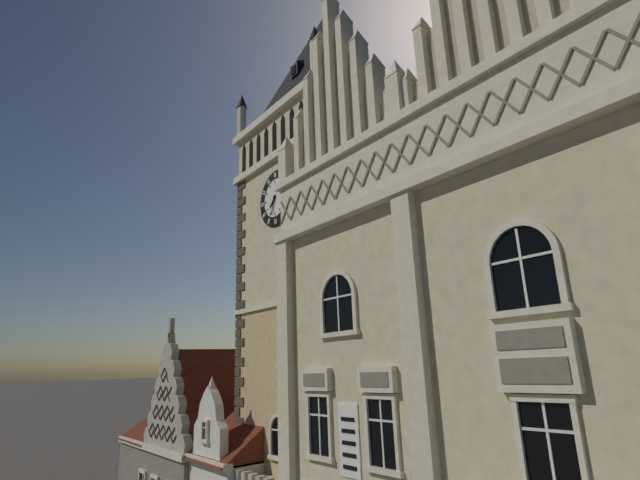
h=7 m=33
